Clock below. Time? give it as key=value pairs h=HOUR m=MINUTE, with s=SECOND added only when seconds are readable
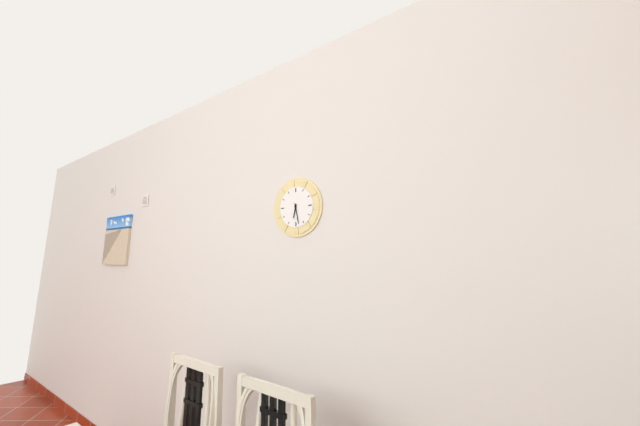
h=6 m=28
